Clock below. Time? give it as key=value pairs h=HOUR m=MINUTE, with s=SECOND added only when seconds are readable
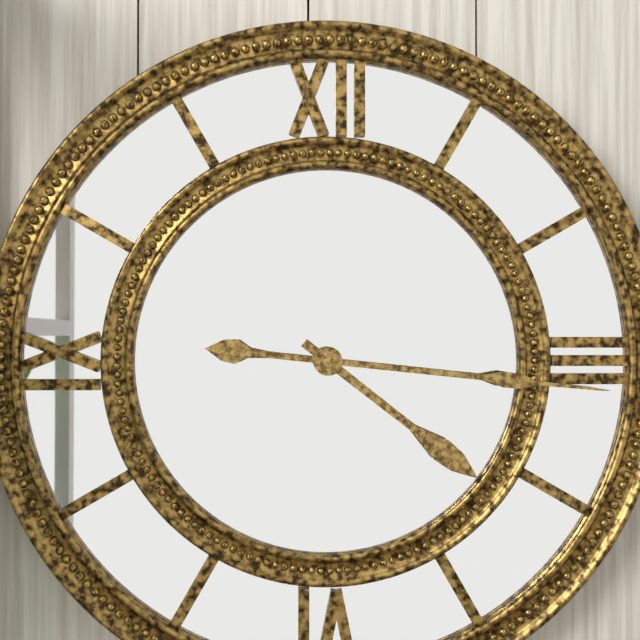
h=4 m=16
